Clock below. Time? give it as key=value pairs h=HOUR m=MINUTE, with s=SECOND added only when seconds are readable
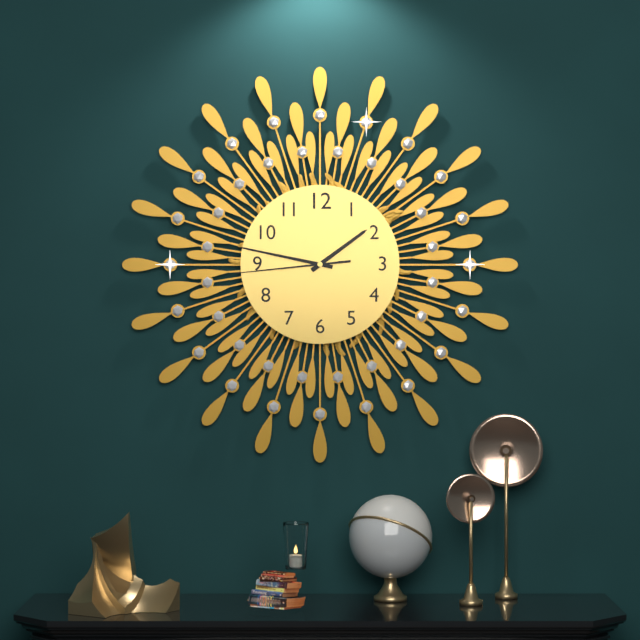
h=1 m=47 s=44
